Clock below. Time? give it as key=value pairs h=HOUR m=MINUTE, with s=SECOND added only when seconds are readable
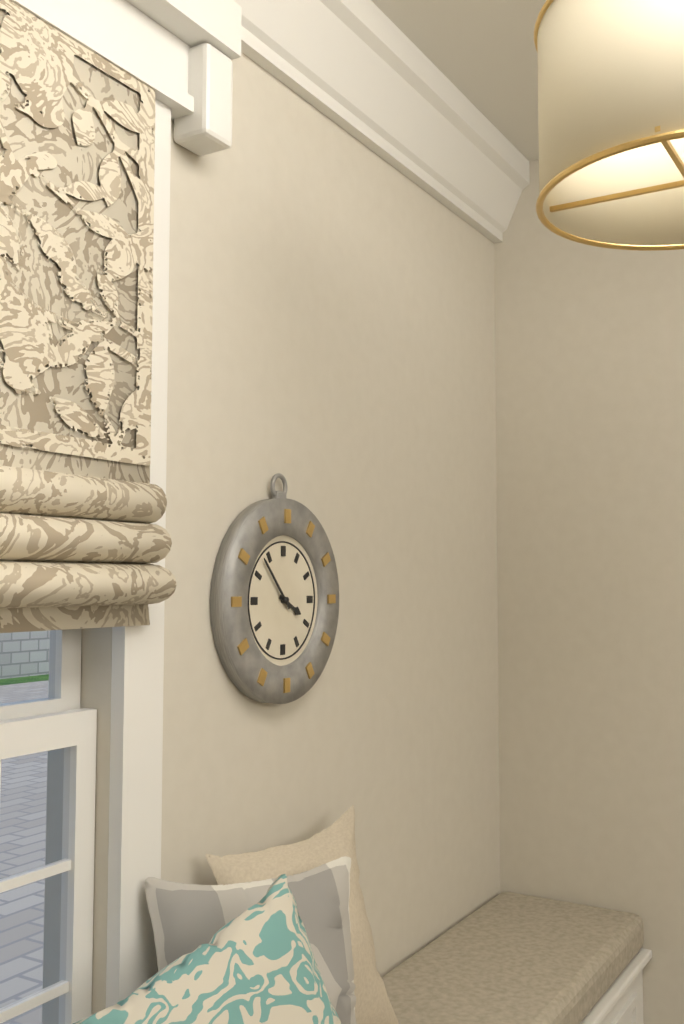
h=3 m=53
